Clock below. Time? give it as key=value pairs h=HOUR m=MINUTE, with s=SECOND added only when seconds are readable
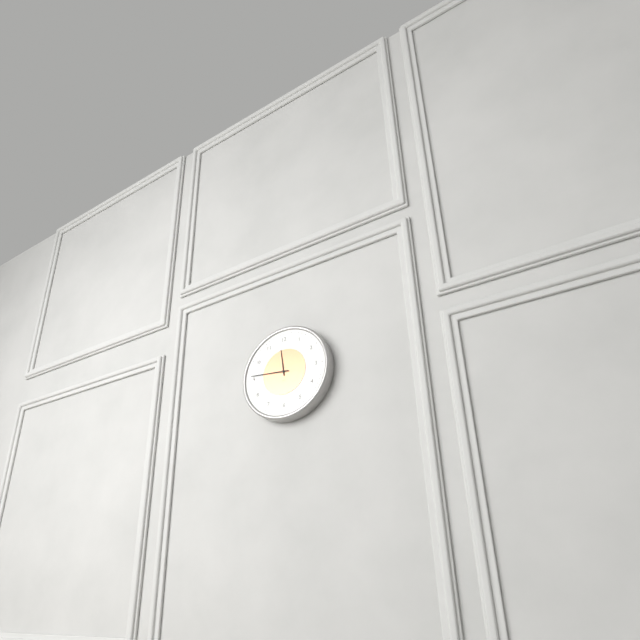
h=11 m=46
